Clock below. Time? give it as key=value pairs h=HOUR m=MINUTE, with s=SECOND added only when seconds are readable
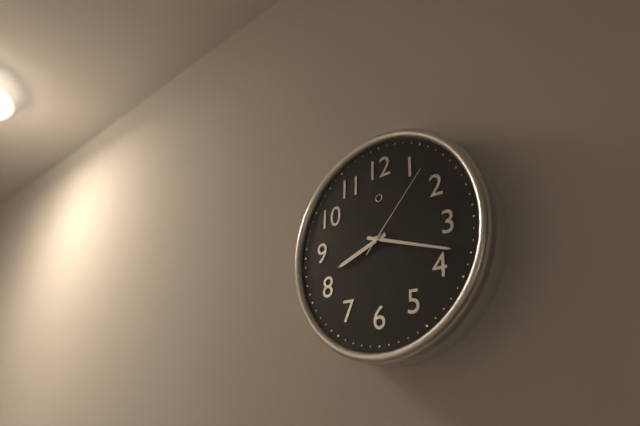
h=8 m=18 s=7
